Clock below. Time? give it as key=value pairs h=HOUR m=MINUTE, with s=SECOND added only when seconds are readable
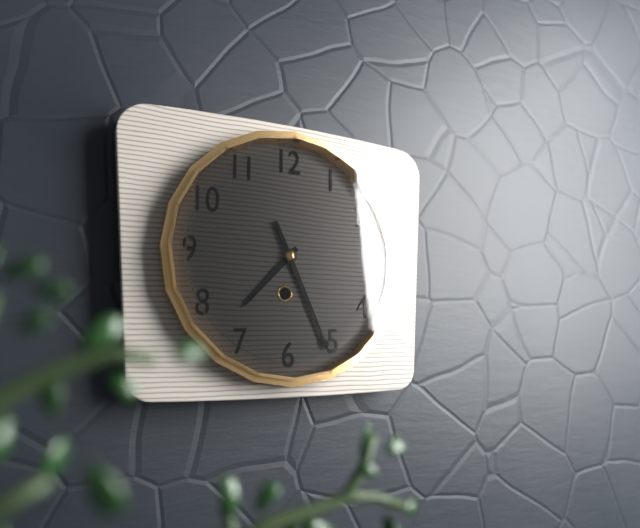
h=7 m=26
